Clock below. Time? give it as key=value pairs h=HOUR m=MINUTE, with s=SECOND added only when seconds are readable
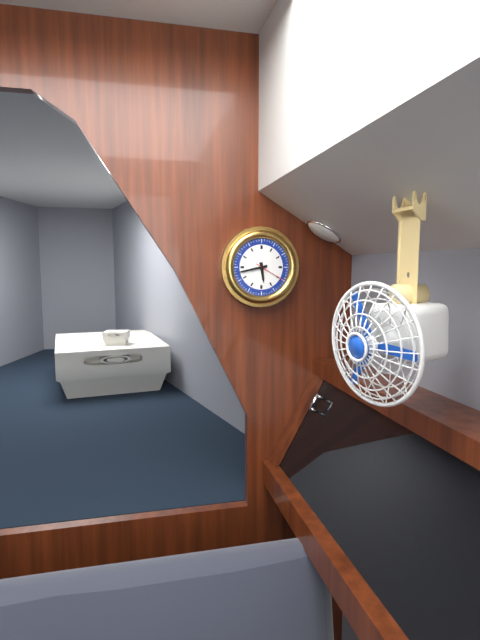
h=5 m=43
